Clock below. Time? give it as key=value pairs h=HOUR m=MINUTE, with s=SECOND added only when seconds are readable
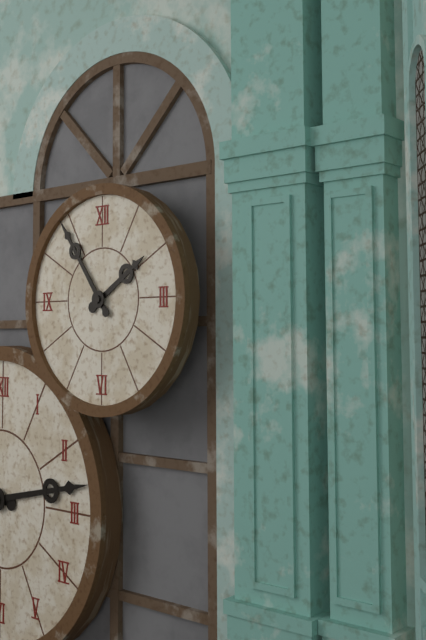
h=1 m=54
